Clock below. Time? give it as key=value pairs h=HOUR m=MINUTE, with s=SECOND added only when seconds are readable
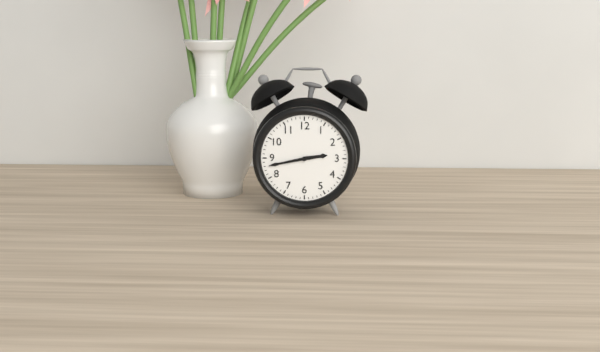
h=2 m=43
